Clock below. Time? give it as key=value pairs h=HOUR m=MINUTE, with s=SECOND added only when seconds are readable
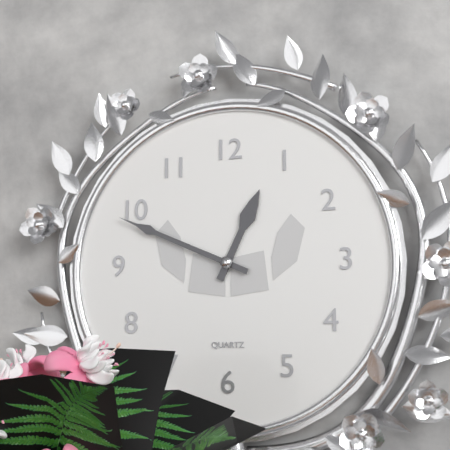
h=12 m=49
